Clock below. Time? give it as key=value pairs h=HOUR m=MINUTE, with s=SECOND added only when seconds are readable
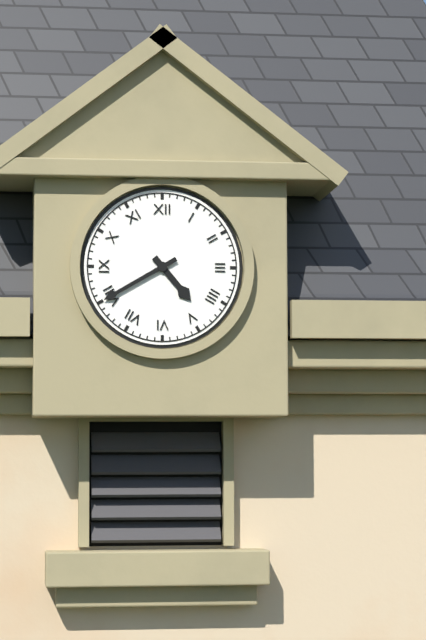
h=4 m=40
